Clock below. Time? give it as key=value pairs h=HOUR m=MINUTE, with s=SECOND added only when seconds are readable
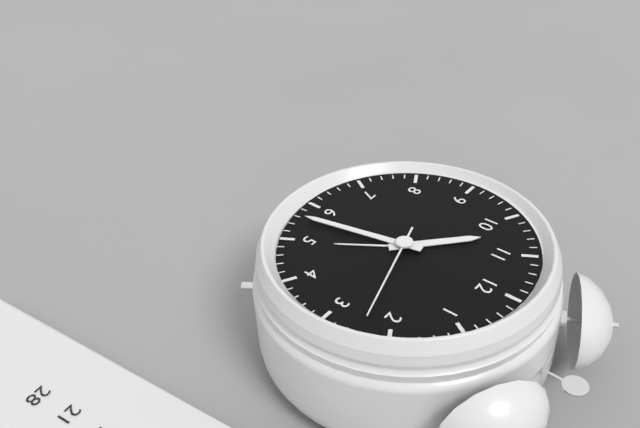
h=10 m=28 s=12
